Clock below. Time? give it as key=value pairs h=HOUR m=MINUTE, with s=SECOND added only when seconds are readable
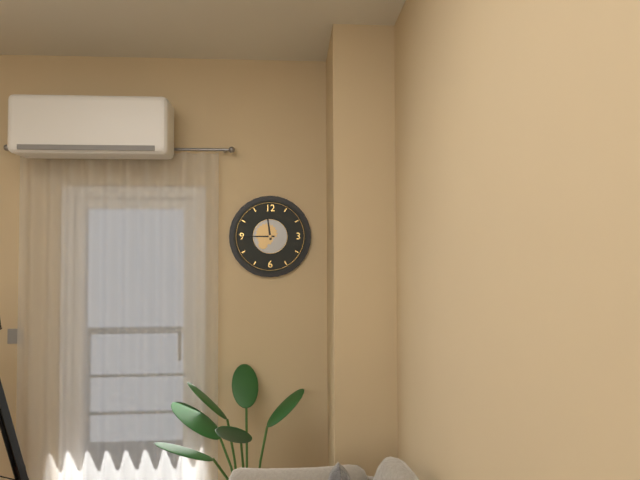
h=11 m=45
